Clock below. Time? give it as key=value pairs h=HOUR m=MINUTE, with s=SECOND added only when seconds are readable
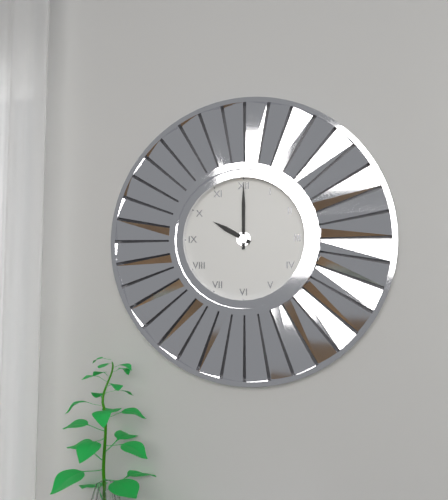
h=10 m=0
